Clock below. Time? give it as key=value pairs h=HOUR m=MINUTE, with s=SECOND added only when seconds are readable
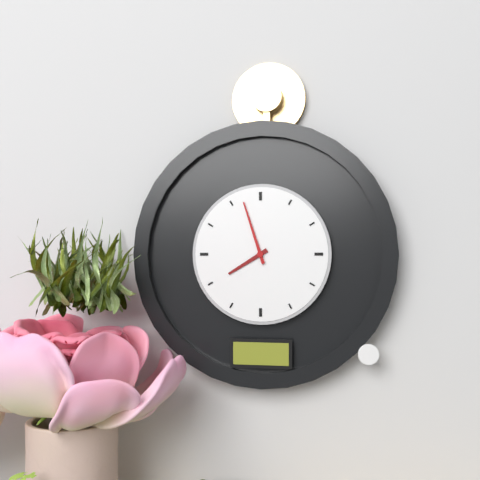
h=7 m=57
